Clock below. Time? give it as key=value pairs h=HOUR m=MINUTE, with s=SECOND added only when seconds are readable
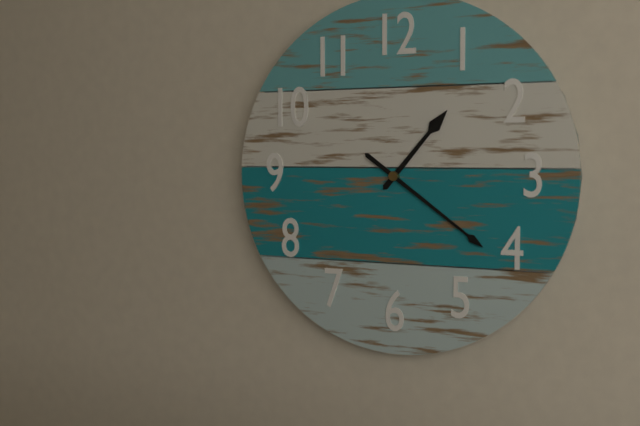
h=1 m=21
